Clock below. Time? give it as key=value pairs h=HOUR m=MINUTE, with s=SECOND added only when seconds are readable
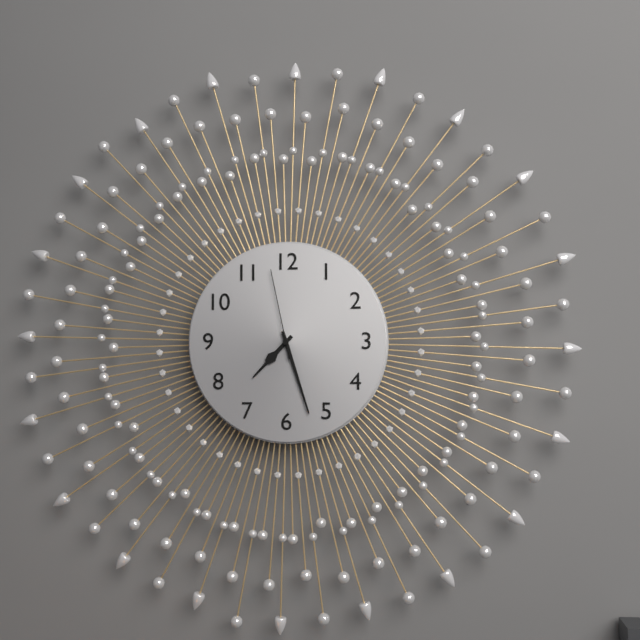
h=7 m=27 s=58
